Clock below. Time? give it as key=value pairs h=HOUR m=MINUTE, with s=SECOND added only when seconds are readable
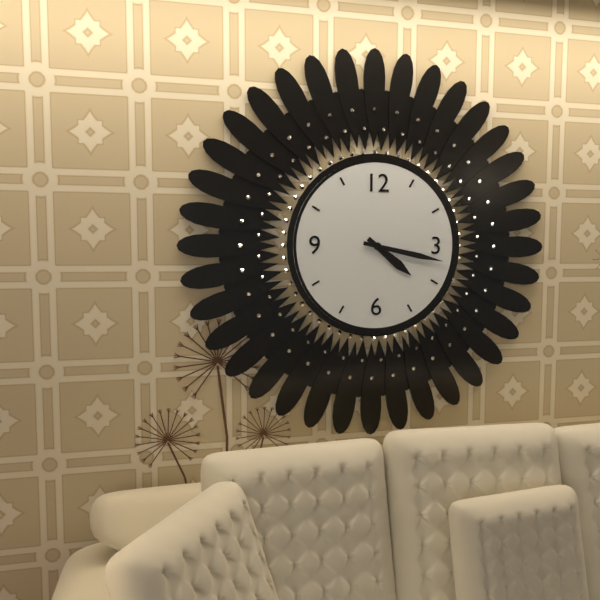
h=4 m=17
